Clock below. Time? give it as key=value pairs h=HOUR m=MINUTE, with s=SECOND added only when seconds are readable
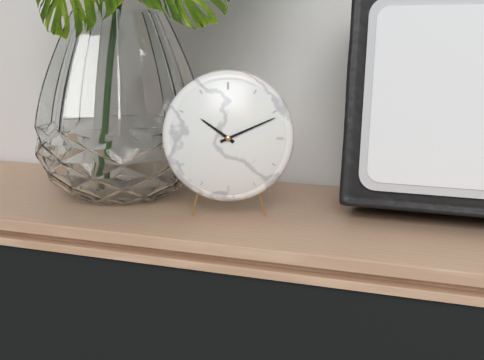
h=10 m=11
